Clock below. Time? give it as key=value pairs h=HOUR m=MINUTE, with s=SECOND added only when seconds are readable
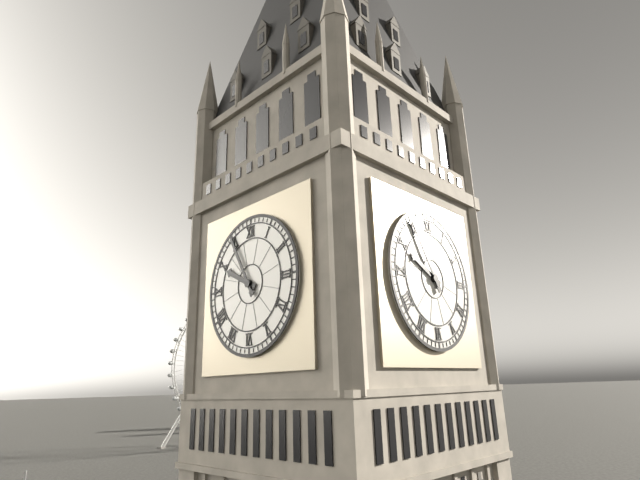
h=9 m=55
